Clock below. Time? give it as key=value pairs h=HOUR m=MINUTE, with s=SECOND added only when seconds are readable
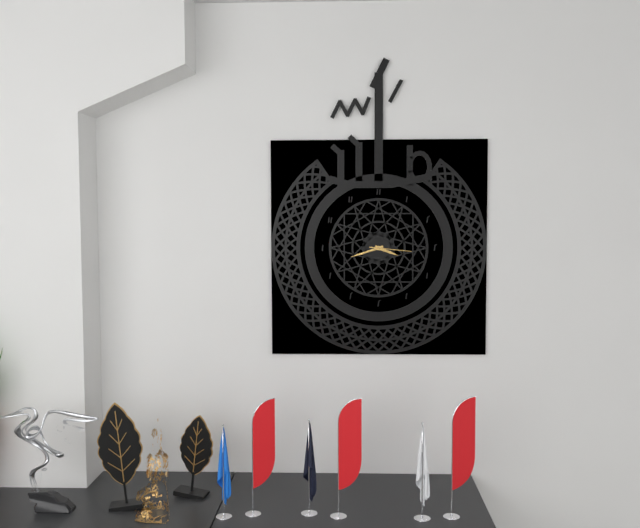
h=3 m=42
